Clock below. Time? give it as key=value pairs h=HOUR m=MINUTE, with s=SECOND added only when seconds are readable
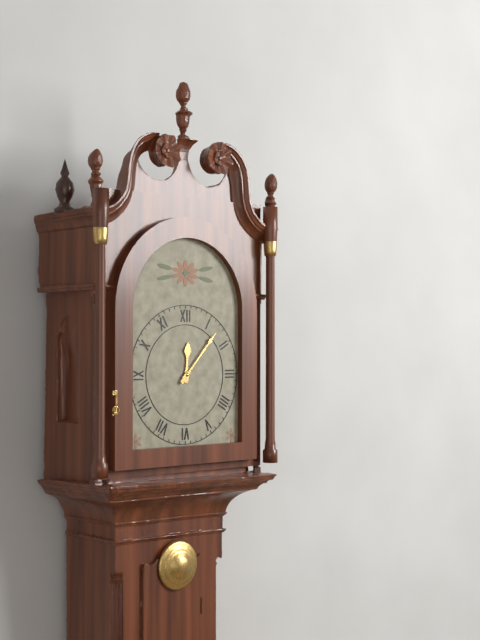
h=12 m=7
